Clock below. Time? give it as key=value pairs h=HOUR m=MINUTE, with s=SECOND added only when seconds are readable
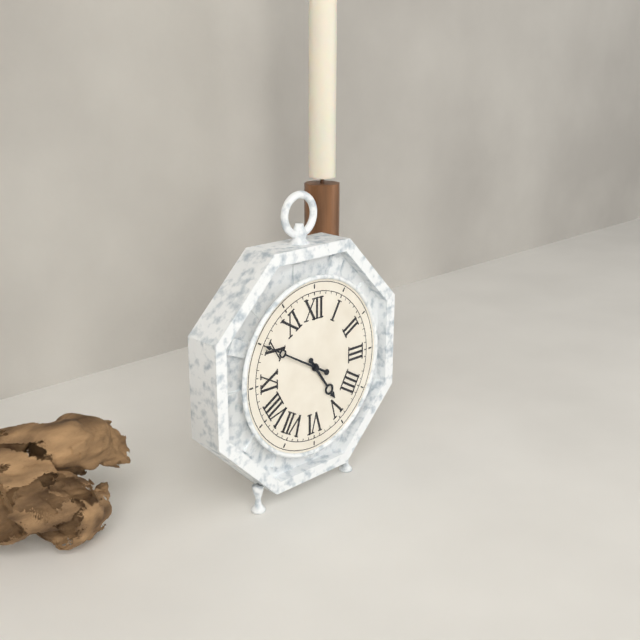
h=4 m=50
